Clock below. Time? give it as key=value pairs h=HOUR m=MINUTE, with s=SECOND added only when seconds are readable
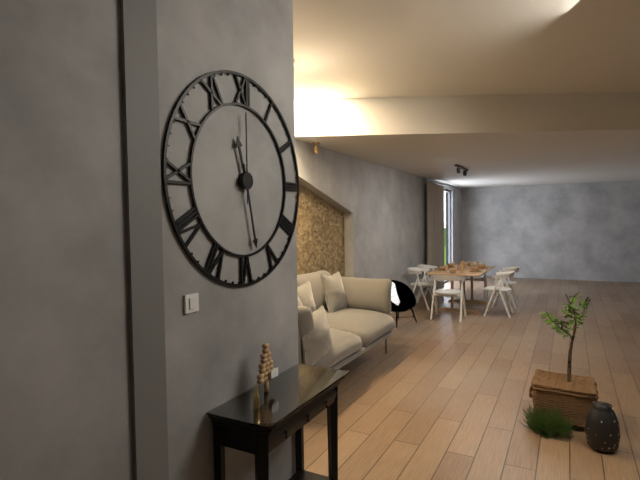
h=11 m=28 s=0
